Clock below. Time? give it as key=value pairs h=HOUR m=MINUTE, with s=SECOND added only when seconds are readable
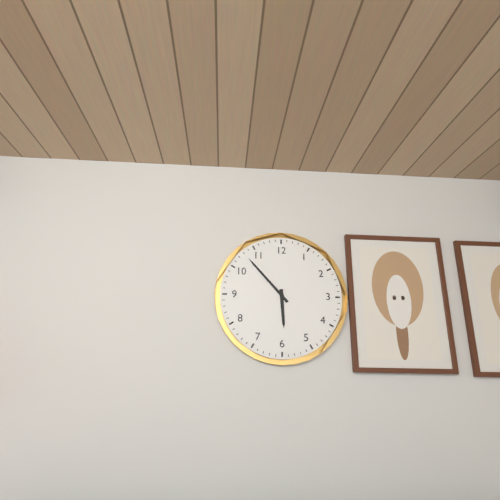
h=5 m=53
